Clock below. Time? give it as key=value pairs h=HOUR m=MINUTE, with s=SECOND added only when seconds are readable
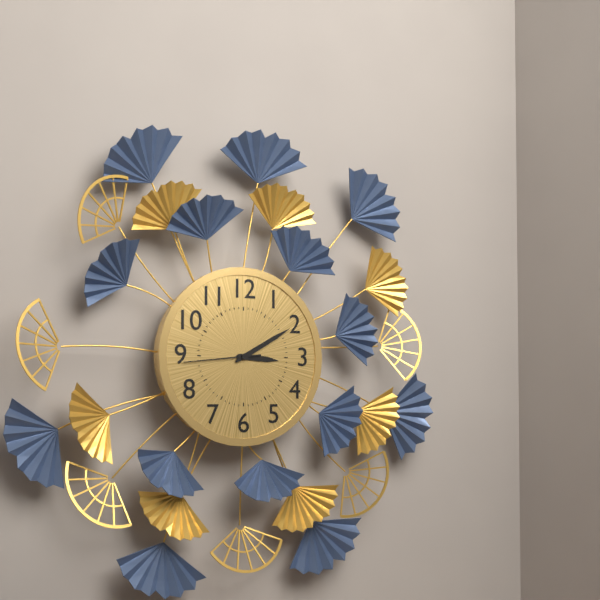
h=3 m=10 s=44
